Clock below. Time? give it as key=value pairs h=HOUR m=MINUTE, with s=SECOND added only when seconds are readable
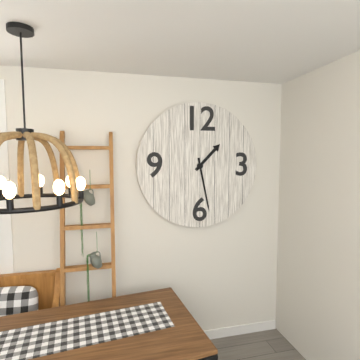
h=1 m=28
